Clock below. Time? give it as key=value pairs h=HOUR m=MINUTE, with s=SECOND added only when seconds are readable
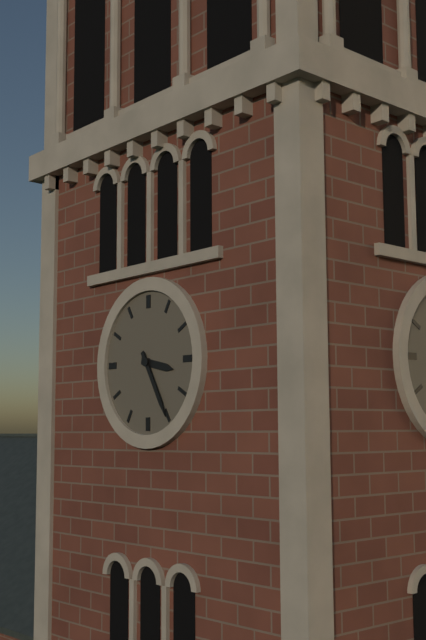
h=3 m=25
